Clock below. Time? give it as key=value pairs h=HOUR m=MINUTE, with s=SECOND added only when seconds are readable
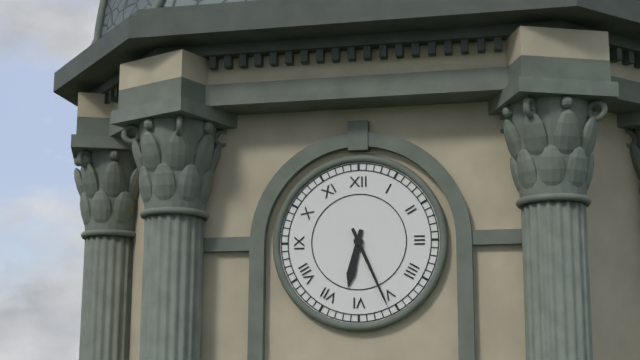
h=6 m=26
